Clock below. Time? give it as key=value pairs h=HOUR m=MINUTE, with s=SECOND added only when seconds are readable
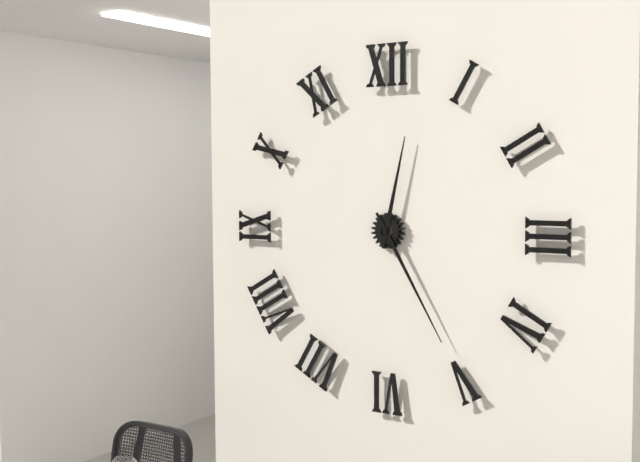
h=12 m=25
